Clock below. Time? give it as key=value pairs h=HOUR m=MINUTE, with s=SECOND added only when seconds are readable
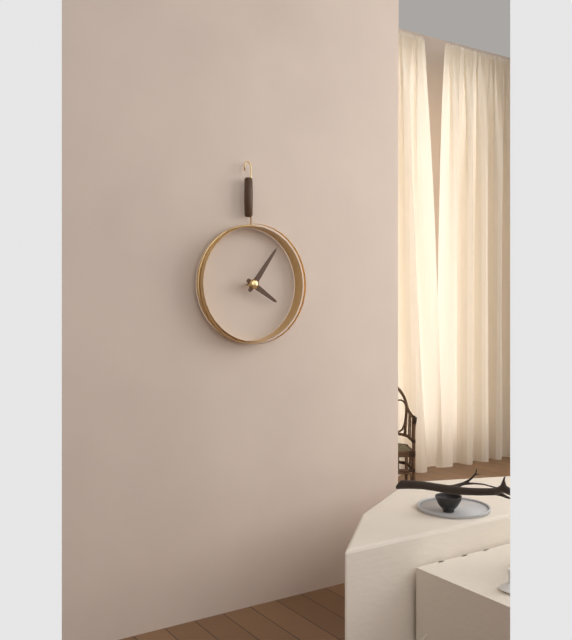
h=4 m=6
